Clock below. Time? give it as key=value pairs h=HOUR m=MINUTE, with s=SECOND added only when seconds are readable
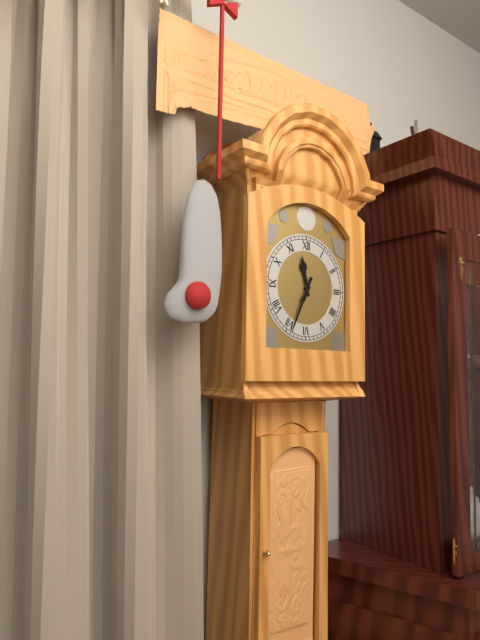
h=11 m=34
